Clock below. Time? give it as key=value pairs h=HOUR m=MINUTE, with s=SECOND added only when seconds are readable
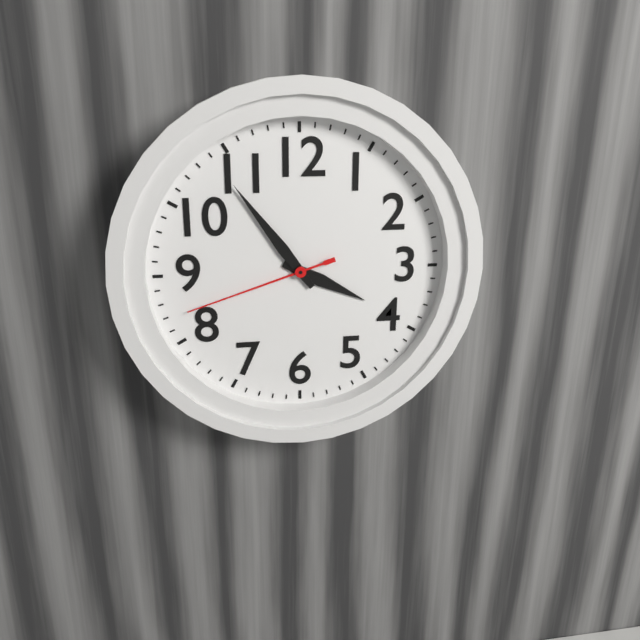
h=3 m=54 s=42
